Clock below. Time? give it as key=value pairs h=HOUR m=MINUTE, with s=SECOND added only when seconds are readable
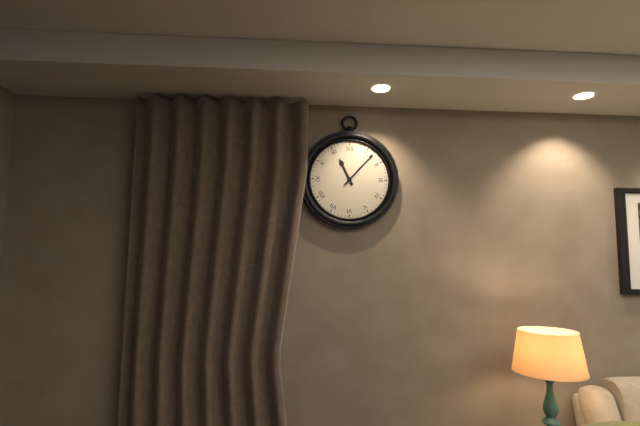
h=11 m=7
